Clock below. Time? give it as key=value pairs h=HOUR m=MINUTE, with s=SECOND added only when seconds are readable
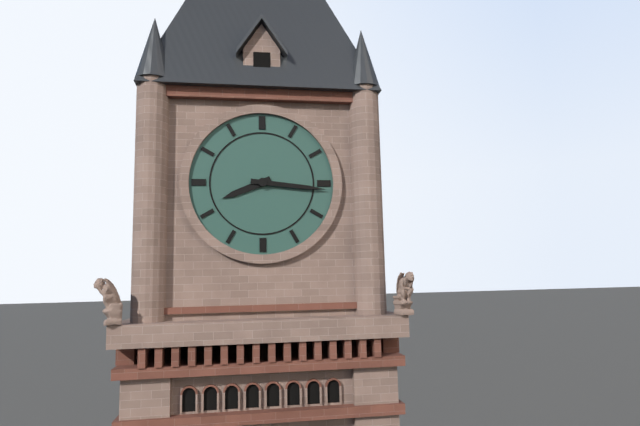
h=8 m=16
